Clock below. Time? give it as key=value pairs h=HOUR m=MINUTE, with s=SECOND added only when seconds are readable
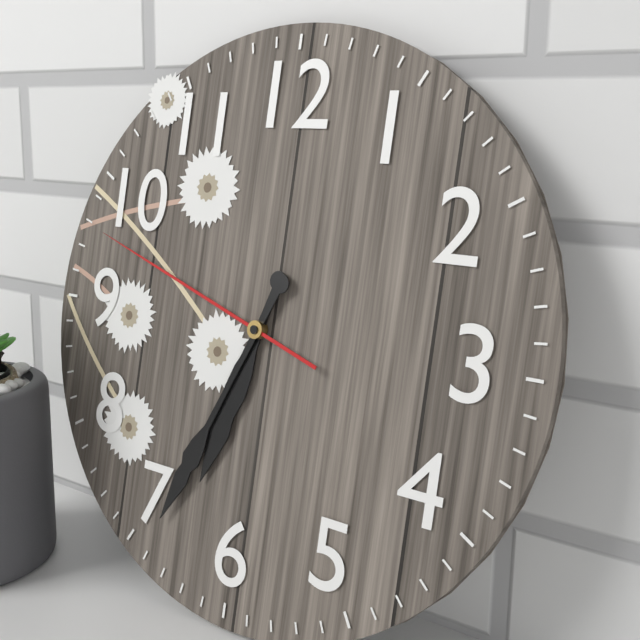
h=6 m=34 s=48
